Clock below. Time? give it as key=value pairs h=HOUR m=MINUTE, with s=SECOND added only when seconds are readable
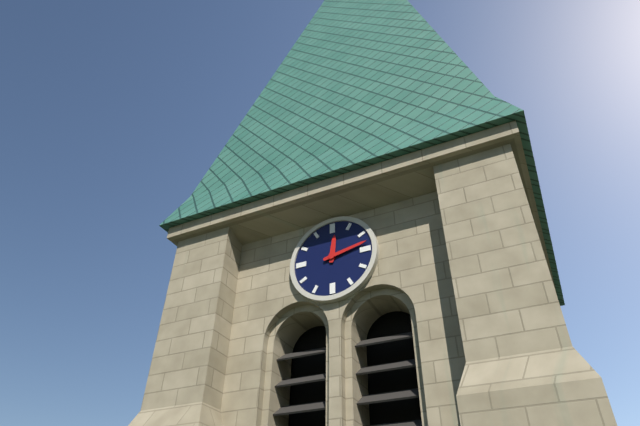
h=12 m=13
